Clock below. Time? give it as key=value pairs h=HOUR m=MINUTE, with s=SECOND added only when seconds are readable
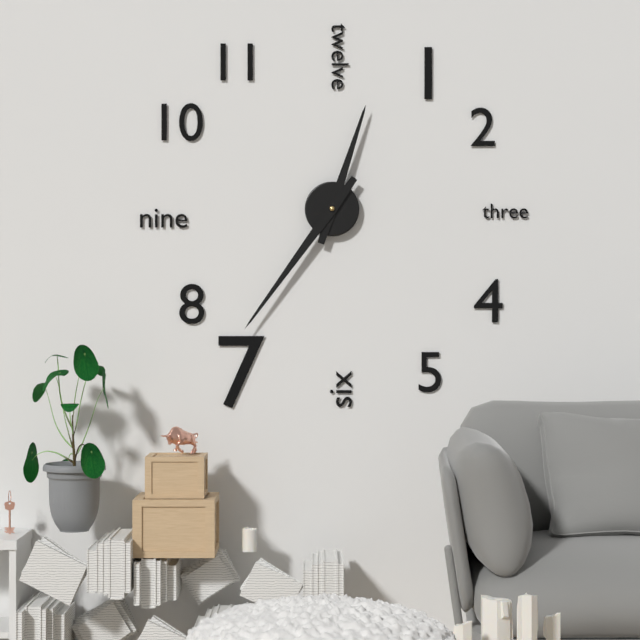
h=12 m=36
